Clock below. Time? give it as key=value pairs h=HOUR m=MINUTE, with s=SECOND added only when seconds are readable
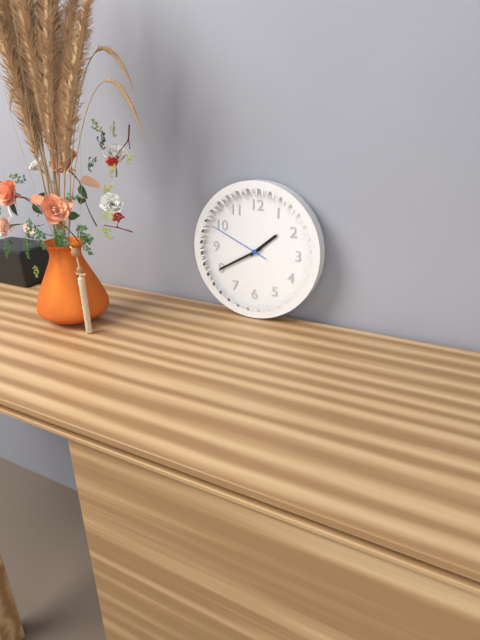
h=1 m=40 s=49
